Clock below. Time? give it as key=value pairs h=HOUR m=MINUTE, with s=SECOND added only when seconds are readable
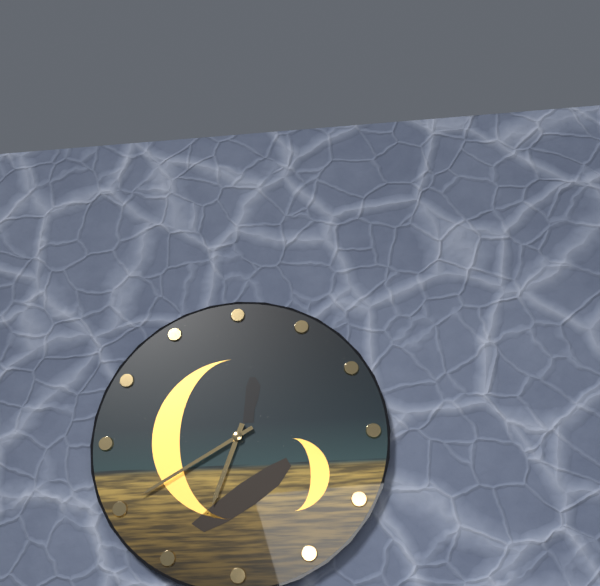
h=6 m=40
